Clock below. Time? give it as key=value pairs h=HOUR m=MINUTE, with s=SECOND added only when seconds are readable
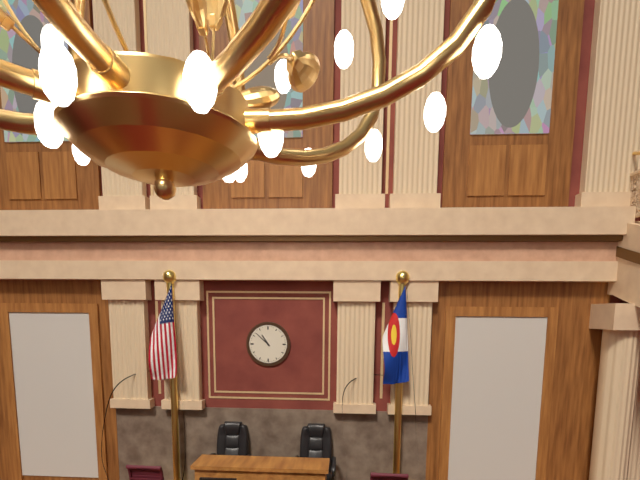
h=10 m=52
